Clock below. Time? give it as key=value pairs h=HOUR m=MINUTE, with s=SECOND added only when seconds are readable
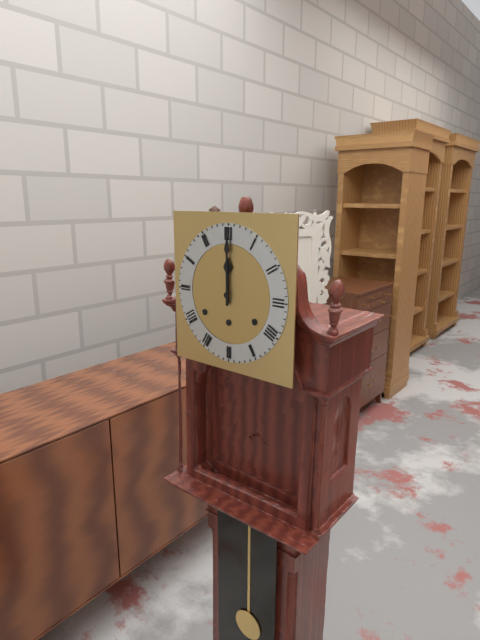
h=12 m=0
